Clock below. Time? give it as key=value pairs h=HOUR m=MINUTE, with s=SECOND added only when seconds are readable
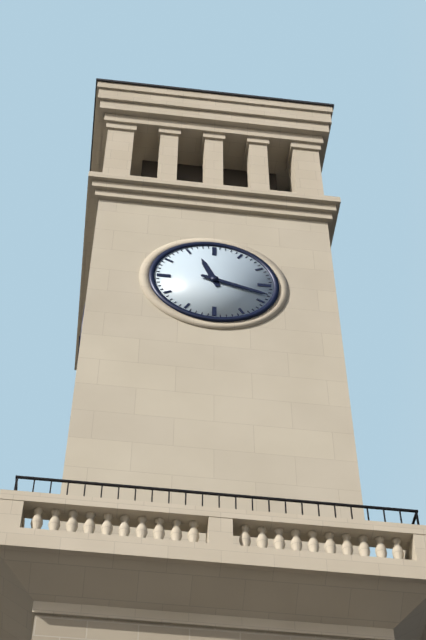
h=11 m=18
